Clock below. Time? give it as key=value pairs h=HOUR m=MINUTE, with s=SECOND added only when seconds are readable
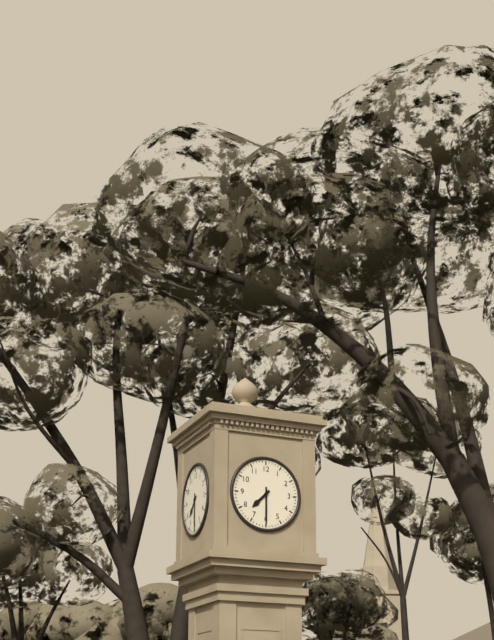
h=7 m=30
